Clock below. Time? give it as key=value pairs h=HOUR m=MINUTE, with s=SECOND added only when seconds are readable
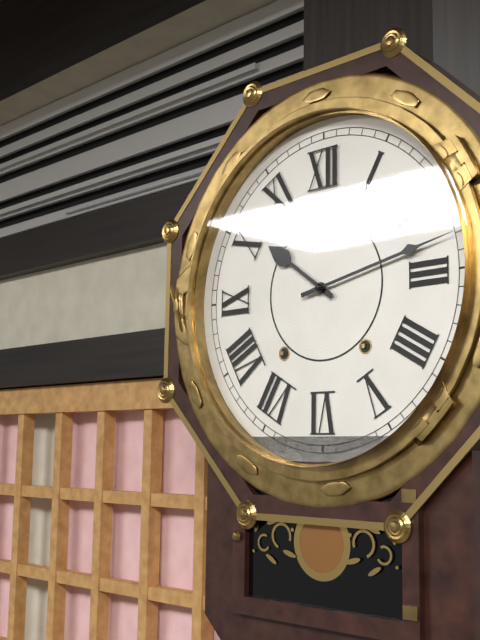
h=10 m=13
